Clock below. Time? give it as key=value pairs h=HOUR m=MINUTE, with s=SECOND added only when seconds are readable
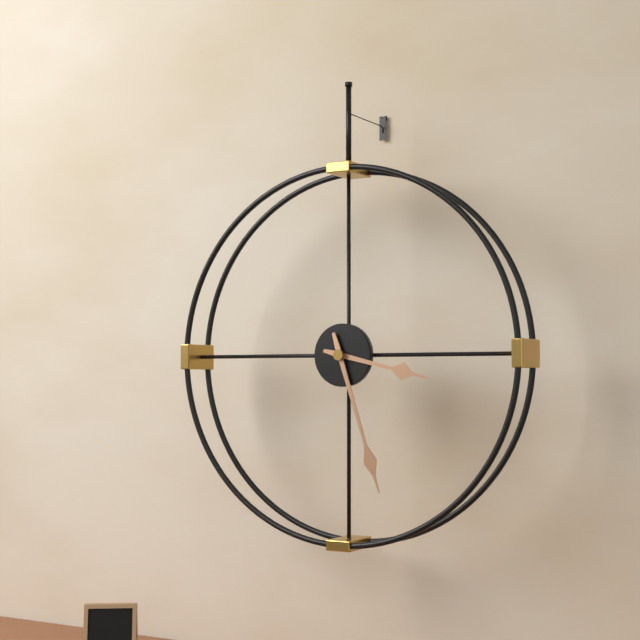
h=3 m=27
